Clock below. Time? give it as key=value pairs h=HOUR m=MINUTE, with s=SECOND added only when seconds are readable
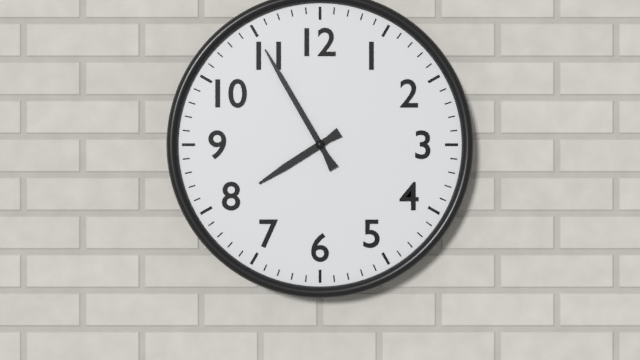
h=7 m=55
